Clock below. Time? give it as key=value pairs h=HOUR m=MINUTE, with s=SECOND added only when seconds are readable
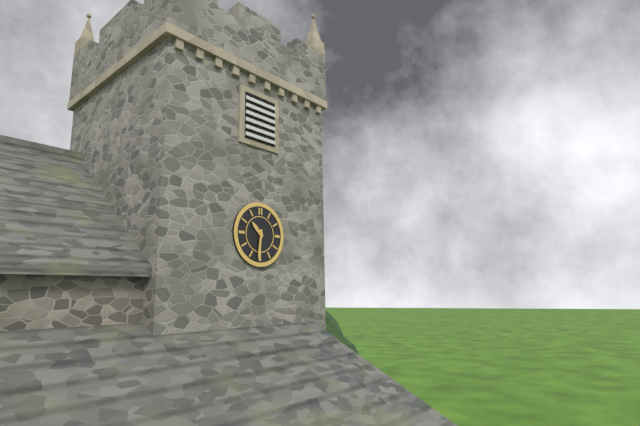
h=10 m=31
